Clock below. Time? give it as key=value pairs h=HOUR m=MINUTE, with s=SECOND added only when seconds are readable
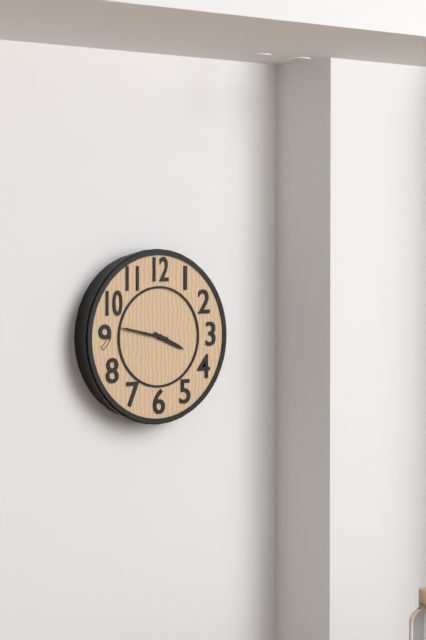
h=3 m=47
